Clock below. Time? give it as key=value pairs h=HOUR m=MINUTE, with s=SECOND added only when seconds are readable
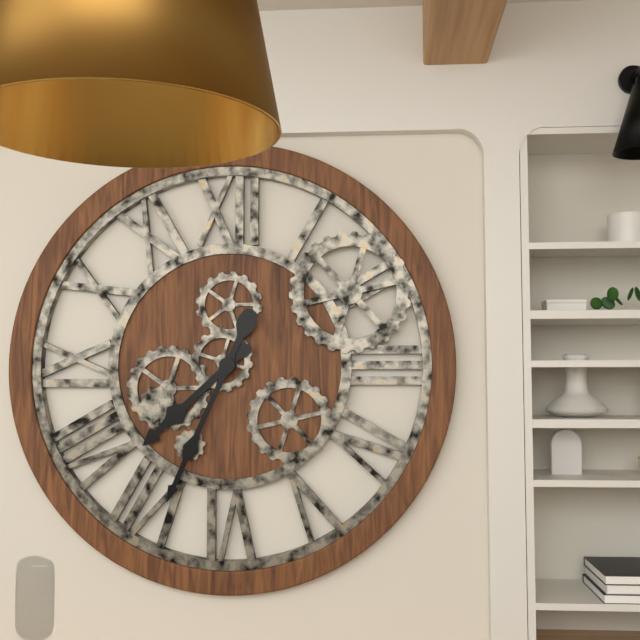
h=7 m=34
